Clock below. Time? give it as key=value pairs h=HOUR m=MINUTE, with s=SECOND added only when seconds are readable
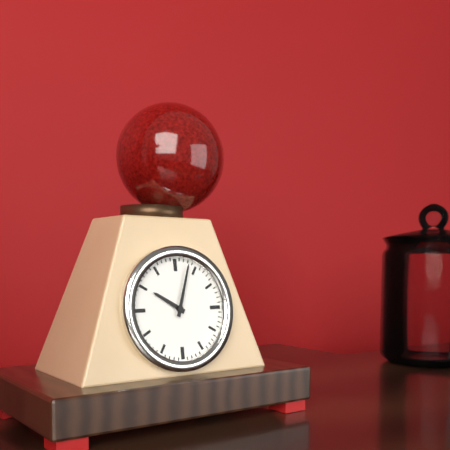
h=10 m=3
